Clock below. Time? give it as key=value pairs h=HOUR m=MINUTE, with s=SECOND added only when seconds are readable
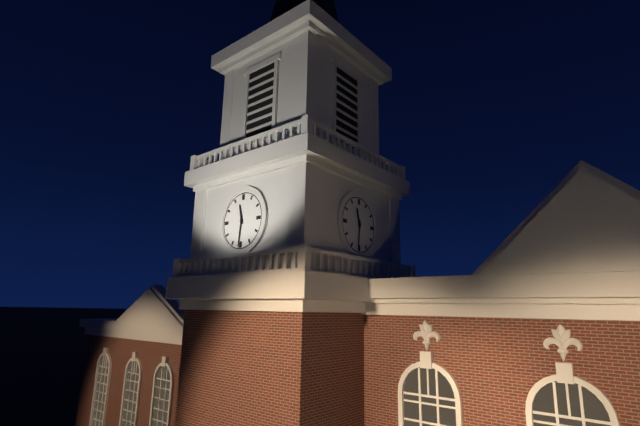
h=11 m=31
